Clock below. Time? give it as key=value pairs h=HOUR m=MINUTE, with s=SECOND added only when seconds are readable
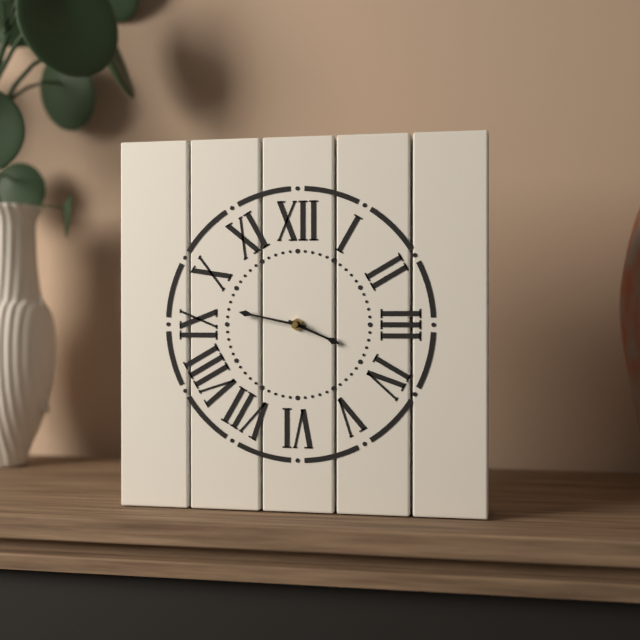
h=3 m=47
